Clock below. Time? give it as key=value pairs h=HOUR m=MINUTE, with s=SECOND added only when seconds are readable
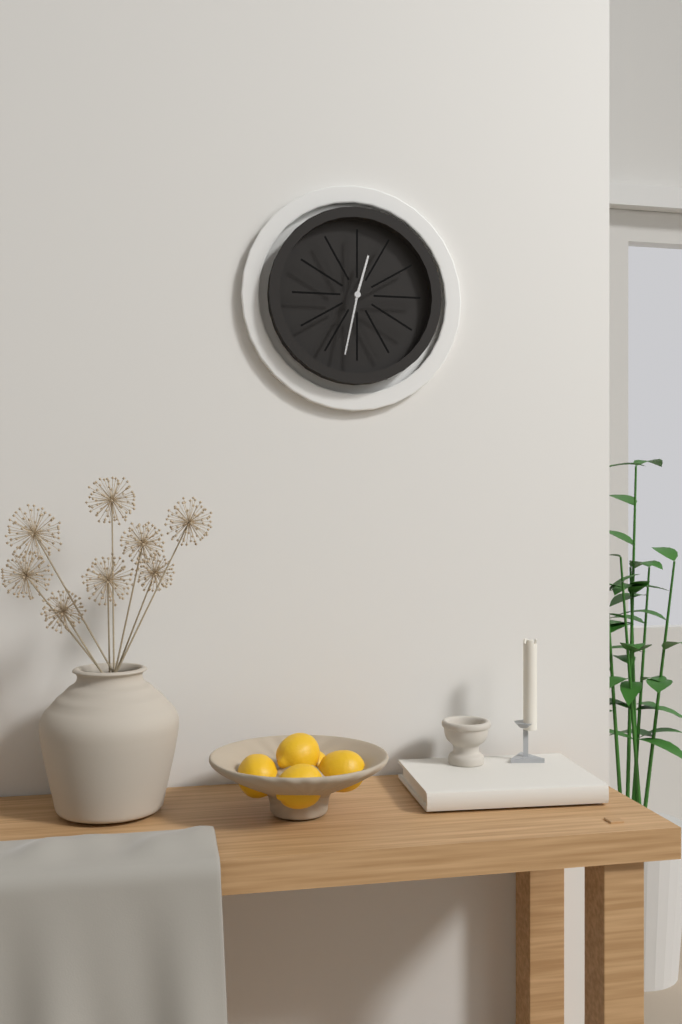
h=12 m=32
